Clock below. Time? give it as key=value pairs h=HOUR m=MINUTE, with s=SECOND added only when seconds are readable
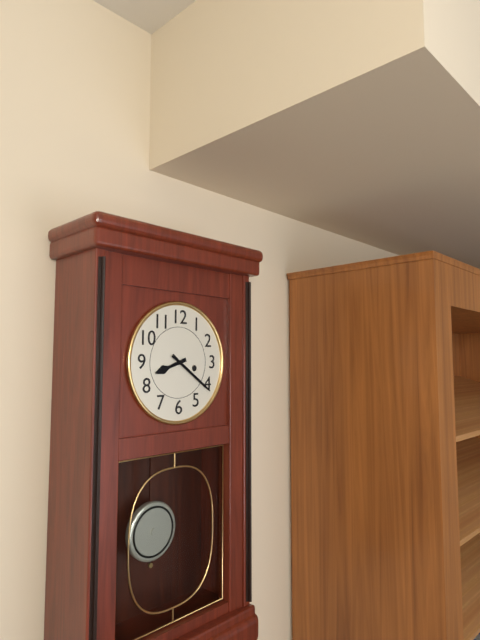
h=8 m=21
